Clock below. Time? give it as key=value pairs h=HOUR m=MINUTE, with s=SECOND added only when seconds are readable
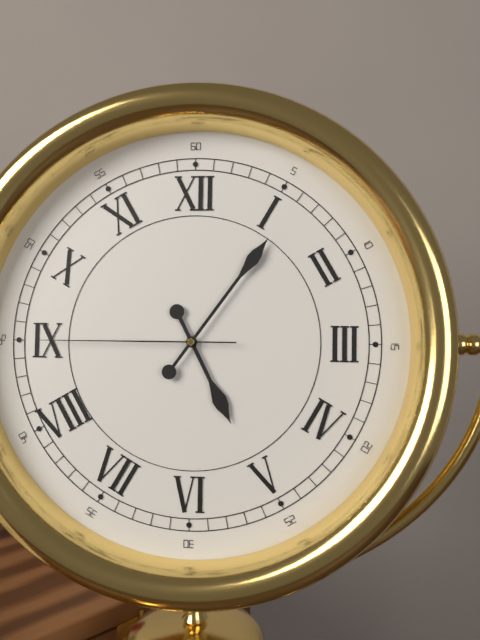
h=5 m=6 s=45
